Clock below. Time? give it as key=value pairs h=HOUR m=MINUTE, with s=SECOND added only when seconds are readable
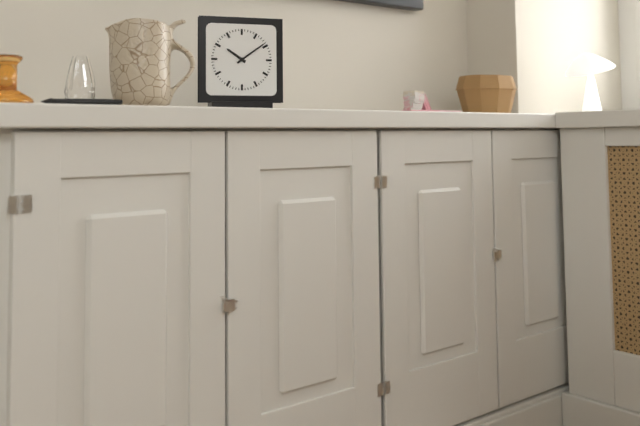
h=10 m=9
